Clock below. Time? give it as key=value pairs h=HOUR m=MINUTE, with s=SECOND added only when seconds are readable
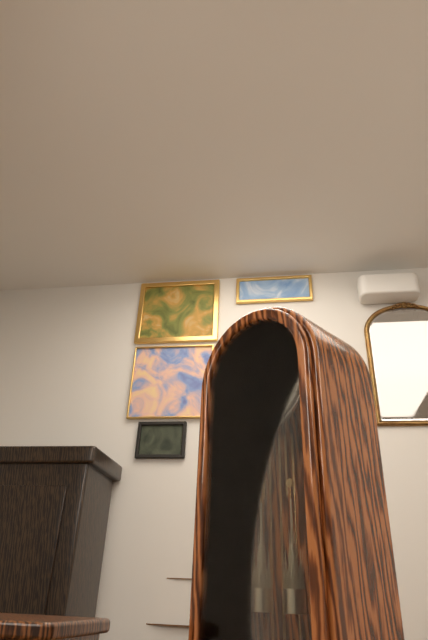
h=3 m=49
